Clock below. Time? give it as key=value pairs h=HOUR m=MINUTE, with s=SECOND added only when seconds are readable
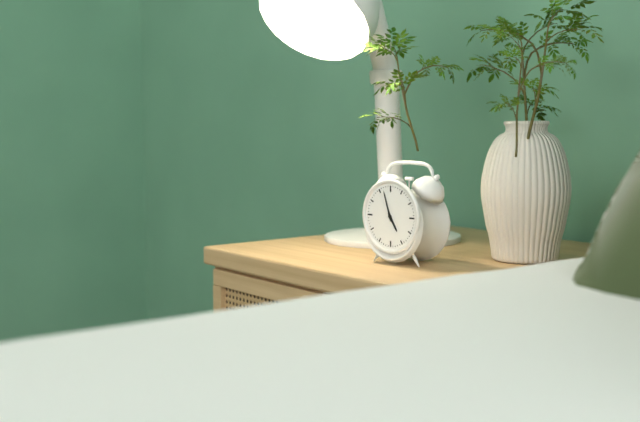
h=4 m=57
